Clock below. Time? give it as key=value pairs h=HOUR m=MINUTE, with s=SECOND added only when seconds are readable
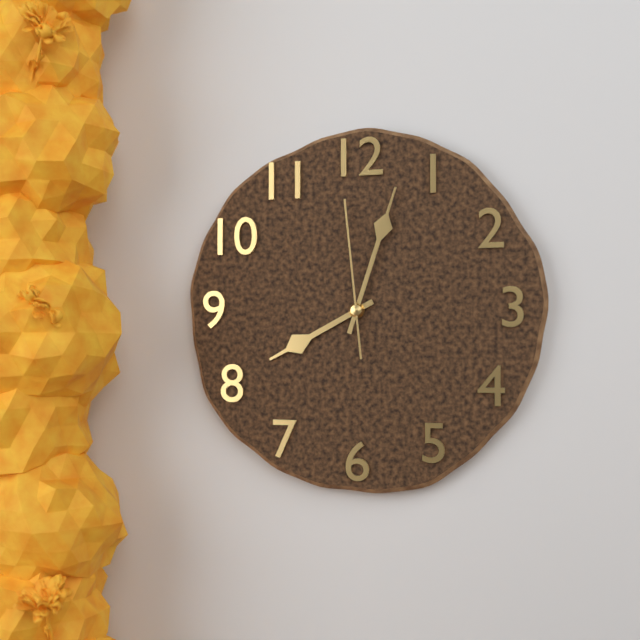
h=8 m=3 s=59
